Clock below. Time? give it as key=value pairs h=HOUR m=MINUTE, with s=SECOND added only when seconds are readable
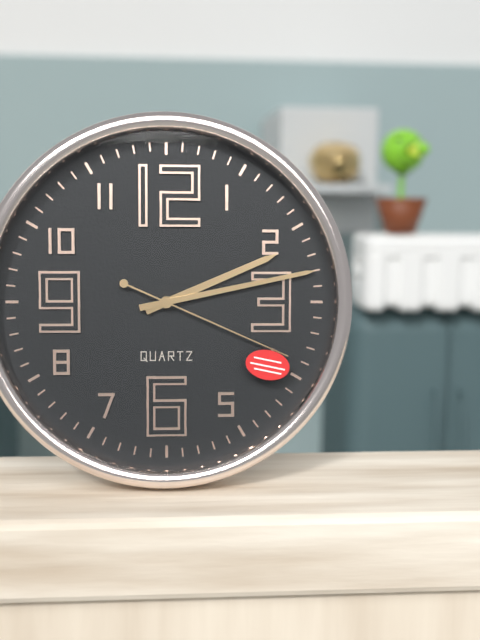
h=2 m=13 s=19
